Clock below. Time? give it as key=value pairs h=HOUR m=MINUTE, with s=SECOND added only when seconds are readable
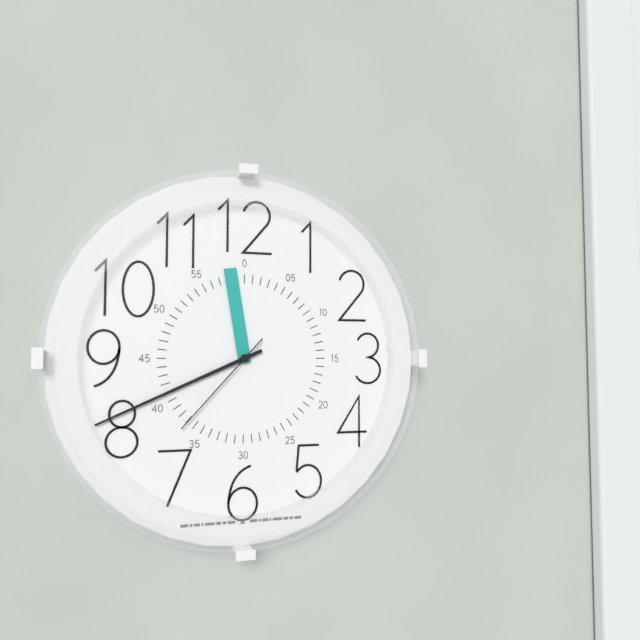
h=11 m=41 s=37
